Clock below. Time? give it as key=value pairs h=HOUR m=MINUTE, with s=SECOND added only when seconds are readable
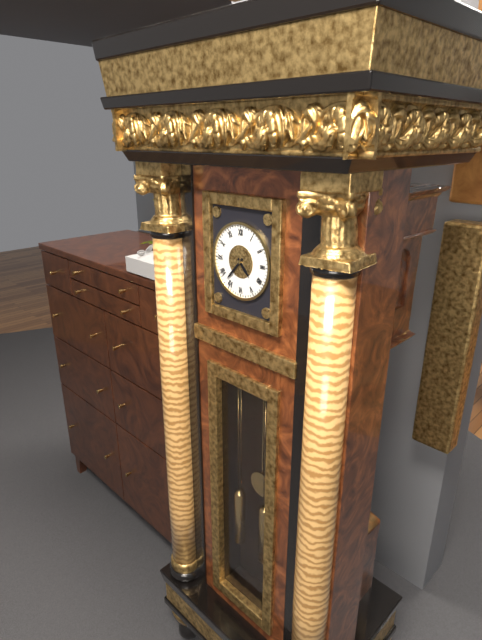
h=4 m=37
